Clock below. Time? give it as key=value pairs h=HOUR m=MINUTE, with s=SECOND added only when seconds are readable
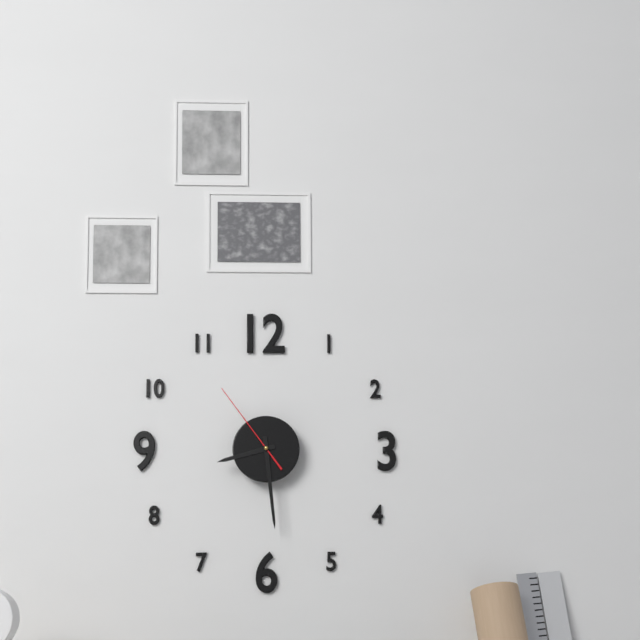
h=8 m=29 s=54
